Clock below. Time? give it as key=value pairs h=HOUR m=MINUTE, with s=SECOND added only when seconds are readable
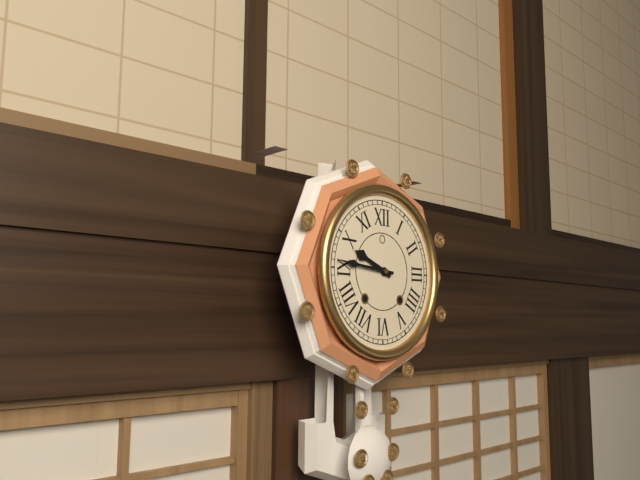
h=9 m=46
